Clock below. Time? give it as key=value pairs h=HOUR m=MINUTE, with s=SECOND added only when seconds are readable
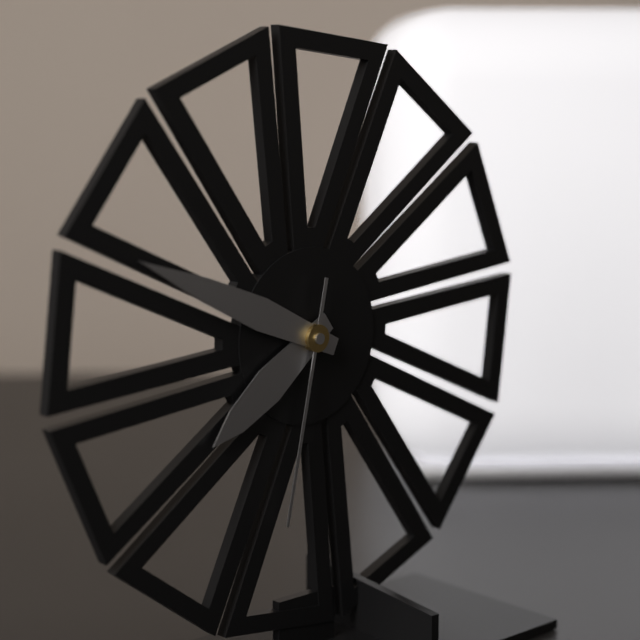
h=7 m=49 s=32
